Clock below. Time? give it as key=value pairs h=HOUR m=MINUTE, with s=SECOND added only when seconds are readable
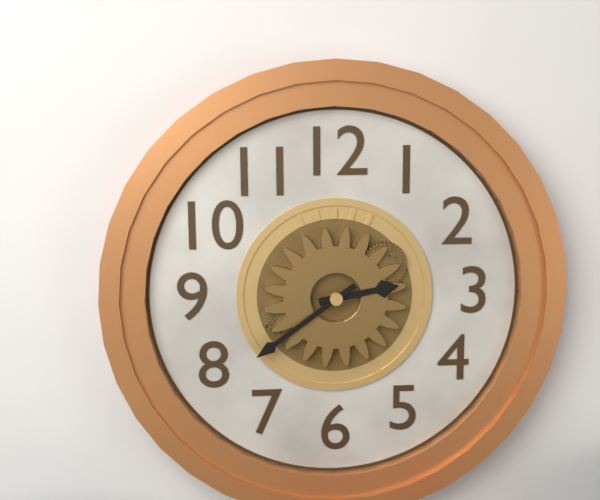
h=2 m=39
